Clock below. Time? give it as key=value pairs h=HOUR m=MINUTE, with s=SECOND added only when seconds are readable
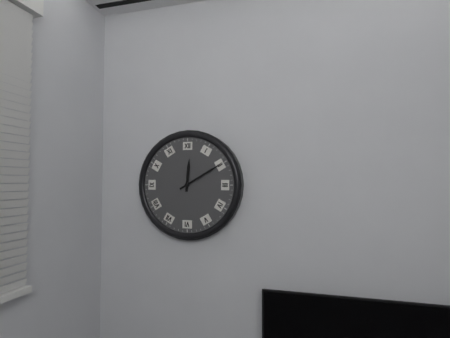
h=12 m=10
